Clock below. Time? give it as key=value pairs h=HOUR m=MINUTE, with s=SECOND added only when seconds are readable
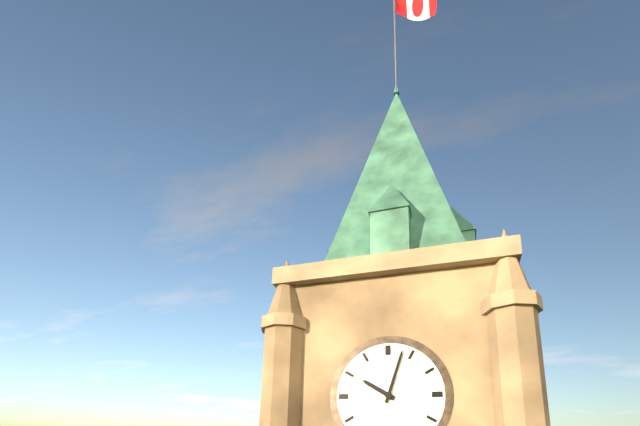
h=10 m=3
